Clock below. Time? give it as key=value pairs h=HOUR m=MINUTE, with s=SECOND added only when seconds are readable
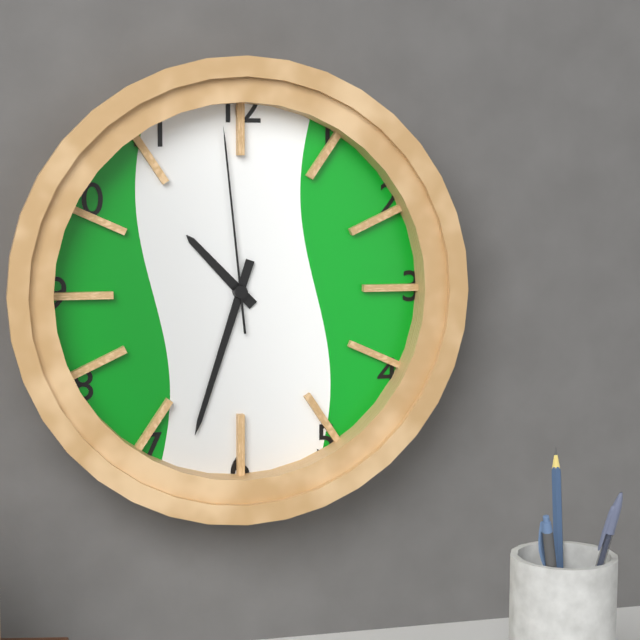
h=10 m=33 s=59
